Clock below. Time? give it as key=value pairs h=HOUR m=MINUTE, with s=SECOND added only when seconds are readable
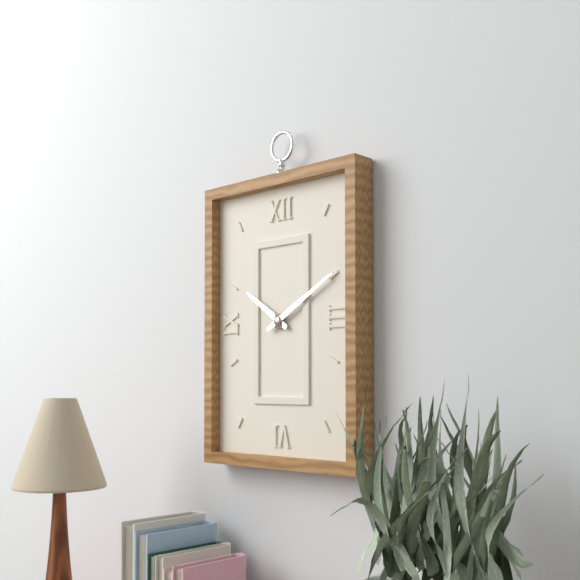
h=10 m=10
